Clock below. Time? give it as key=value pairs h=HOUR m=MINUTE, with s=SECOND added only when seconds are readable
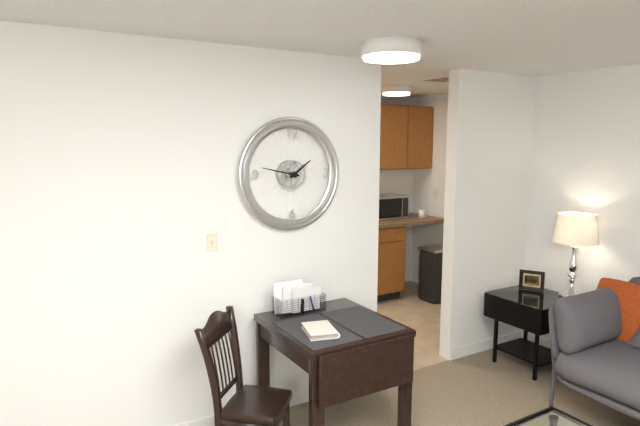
h=1 m=47
